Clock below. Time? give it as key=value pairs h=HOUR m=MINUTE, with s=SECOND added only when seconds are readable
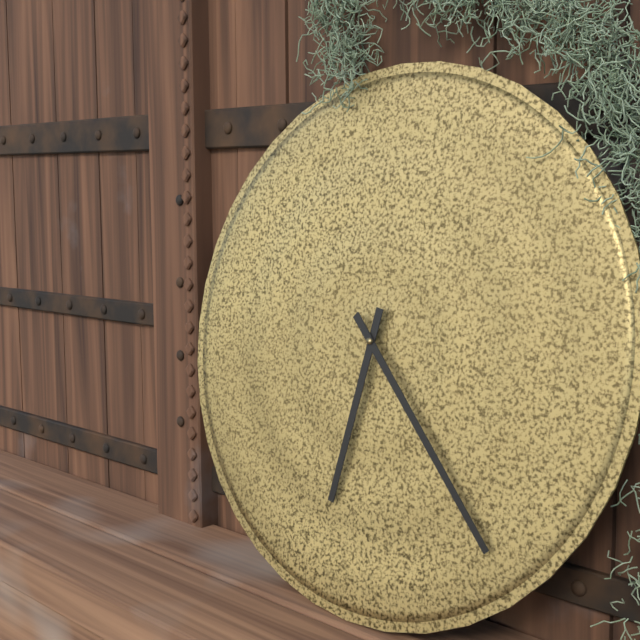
h=6 m=23
